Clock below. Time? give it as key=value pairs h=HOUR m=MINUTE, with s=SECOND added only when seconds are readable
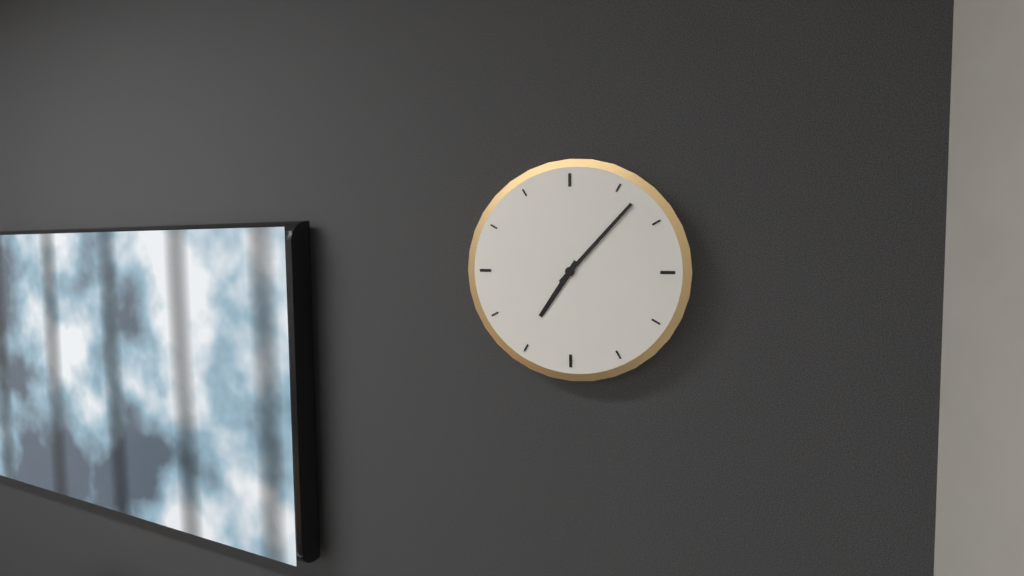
h=7 m=7
